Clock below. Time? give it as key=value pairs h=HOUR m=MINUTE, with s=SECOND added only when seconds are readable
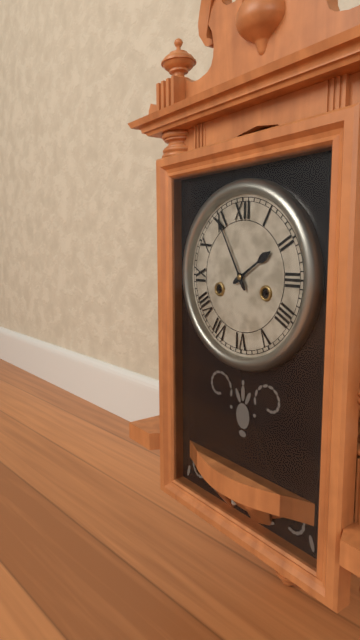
h=1 m=55
